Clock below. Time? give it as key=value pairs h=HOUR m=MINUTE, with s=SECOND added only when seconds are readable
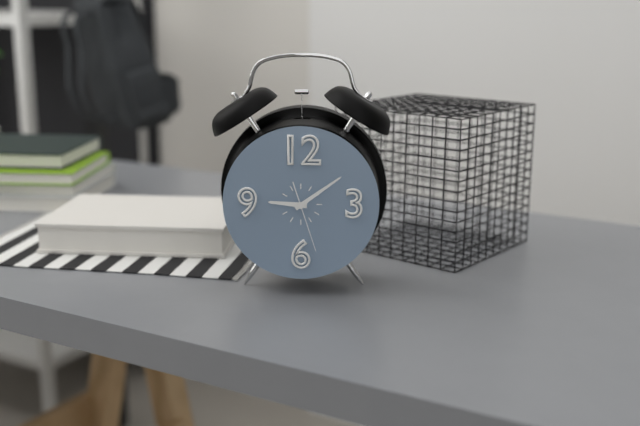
h=9 m=9 s=27
